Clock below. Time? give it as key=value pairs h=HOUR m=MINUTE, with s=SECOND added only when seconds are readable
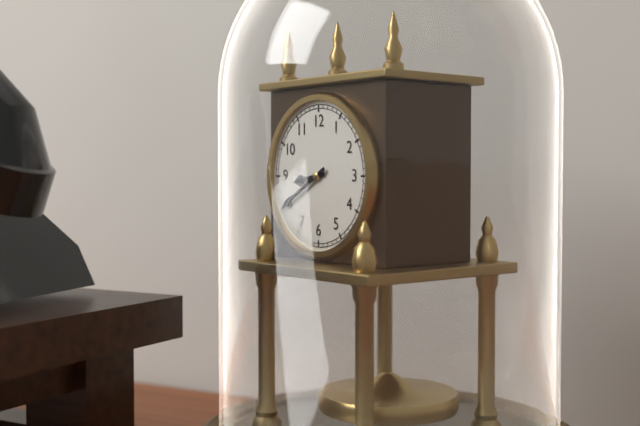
h=8 m=40
